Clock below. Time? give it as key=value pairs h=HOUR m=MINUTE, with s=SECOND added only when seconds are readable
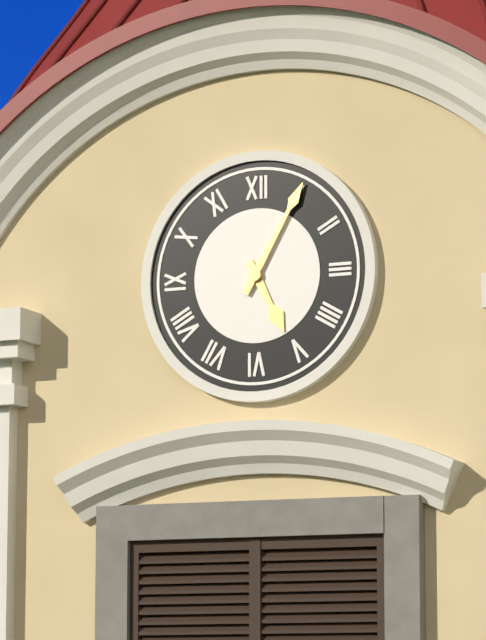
h=5 m=5
